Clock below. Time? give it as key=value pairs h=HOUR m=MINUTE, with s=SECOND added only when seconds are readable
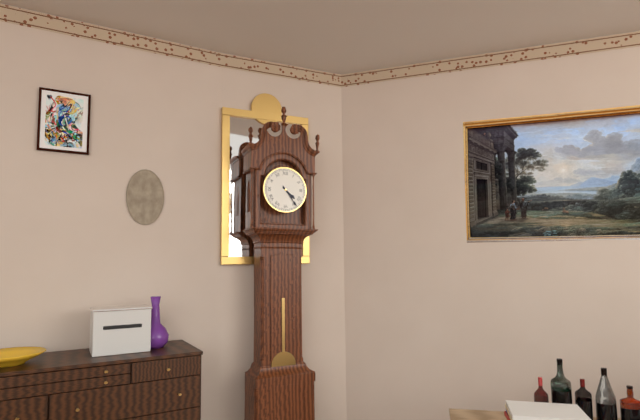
h=4 m=24
